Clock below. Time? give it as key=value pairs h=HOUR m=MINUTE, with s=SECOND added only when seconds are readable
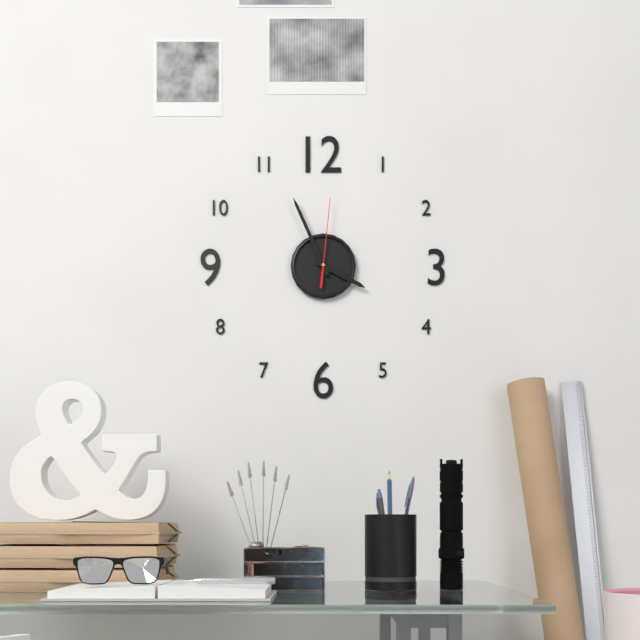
h=3 m=56 s=1
